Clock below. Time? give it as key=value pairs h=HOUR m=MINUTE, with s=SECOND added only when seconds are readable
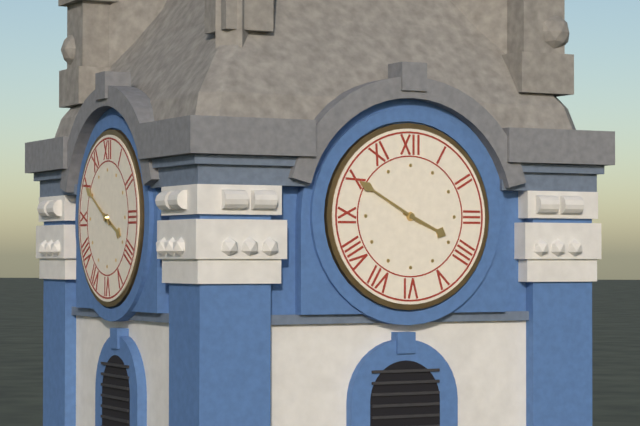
h=3 m=50
